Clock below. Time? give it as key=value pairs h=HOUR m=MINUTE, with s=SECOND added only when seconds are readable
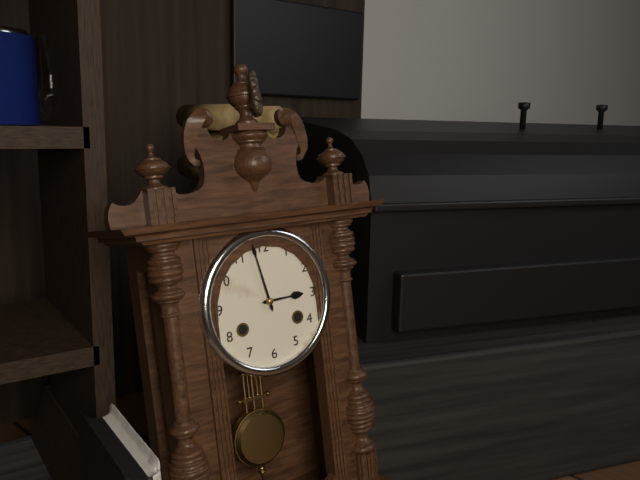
h=2 m=58
